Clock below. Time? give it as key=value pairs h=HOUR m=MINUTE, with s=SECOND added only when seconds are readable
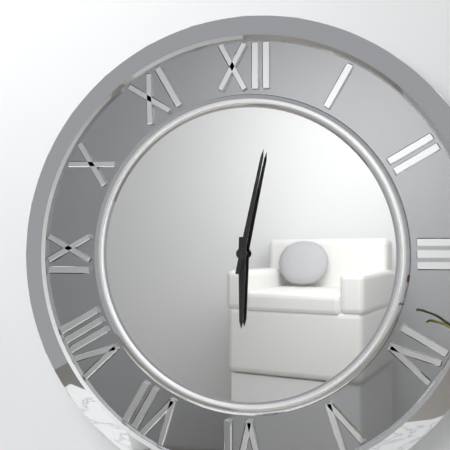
h=6 m=2
